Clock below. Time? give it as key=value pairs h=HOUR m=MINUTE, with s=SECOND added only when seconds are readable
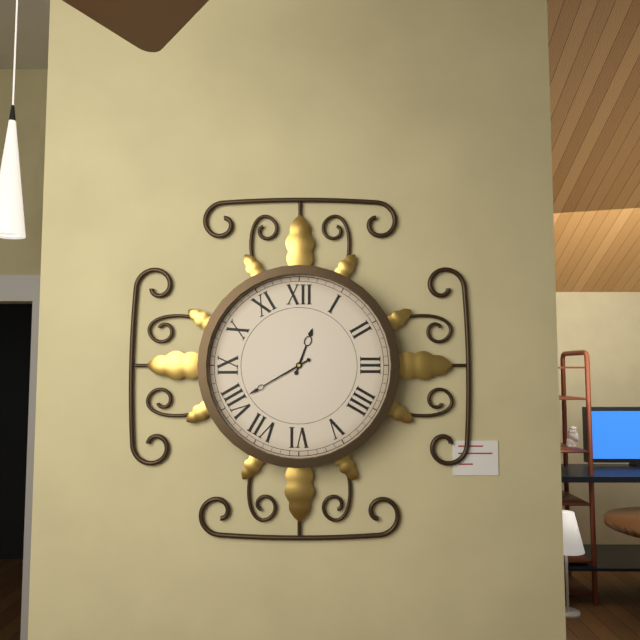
h=12 m=40
